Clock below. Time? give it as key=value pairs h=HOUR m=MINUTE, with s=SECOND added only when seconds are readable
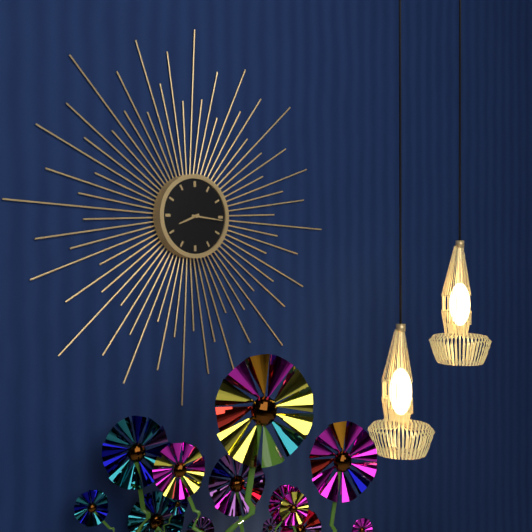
h=8 m=16
